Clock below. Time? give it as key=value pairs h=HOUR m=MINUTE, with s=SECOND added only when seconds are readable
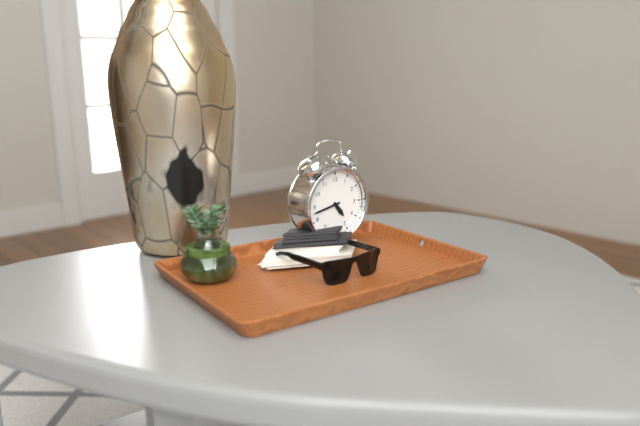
h=4 m=43
